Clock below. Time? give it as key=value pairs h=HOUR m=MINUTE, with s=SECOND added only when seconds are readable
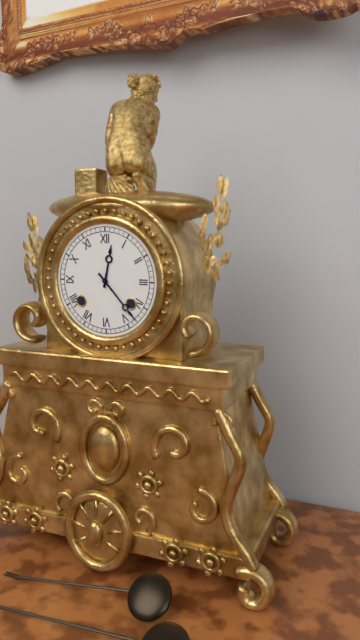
h=12 m=23
